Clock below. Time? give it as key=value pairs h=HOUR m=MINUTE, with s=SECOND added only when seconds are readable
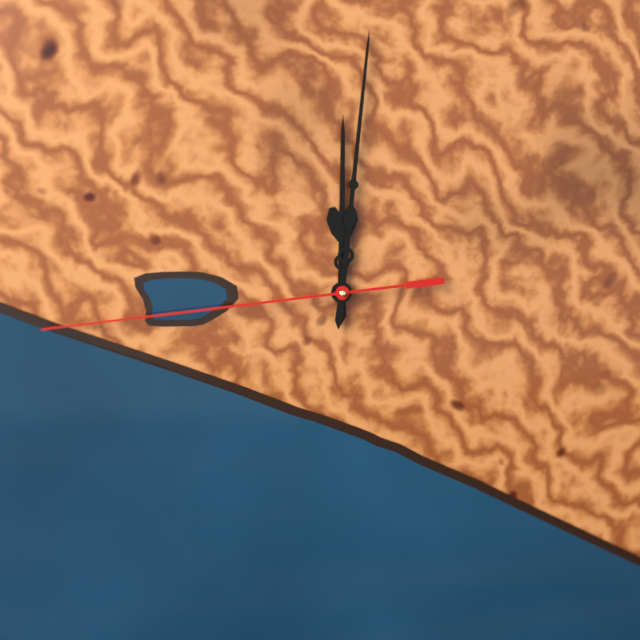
h=12 m=1 s=44
